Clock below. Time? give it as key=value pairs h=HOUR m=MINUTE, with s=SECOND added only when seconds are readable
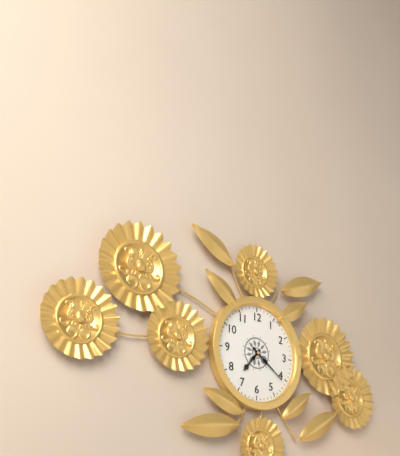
h=7 m=21
